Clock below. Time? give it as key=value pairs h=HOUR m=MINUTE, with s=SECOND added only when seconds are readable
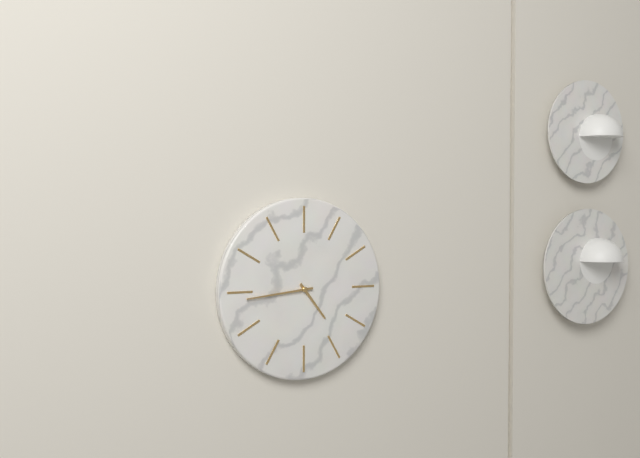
h=4 m=44
